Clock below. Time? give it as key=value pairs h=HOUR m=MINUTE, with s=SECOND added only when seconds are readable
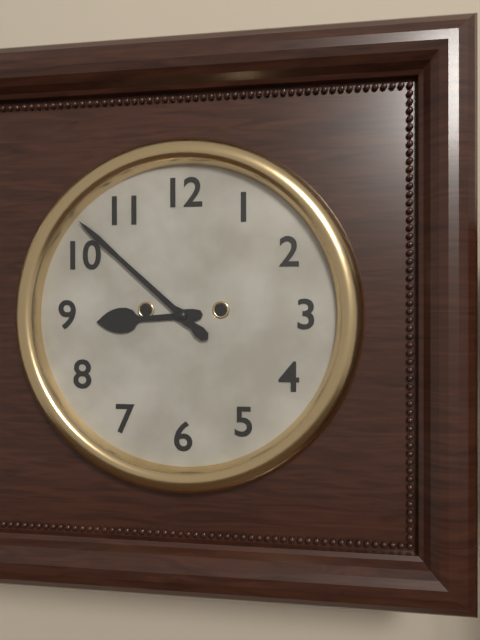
h=8 m=52
